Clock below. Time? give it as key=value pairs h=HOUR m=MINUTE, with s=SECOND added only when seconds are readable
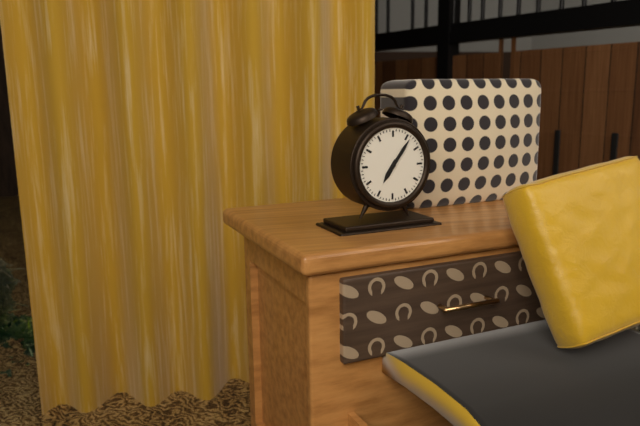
h=7 m=6
